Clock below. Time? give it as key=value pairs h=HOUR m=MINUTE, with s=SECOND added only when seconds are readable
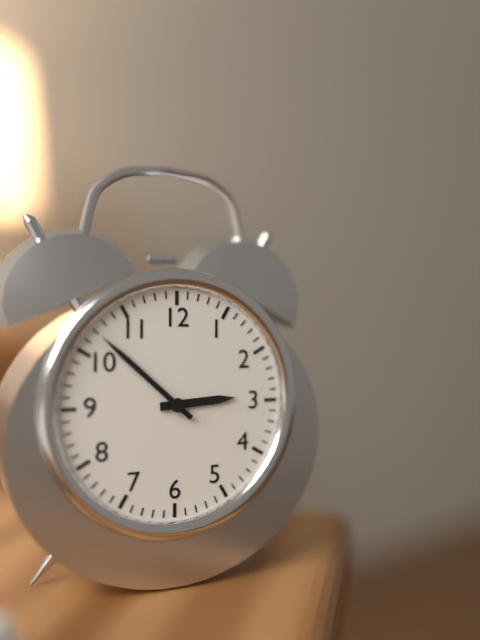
h=2 m=52
